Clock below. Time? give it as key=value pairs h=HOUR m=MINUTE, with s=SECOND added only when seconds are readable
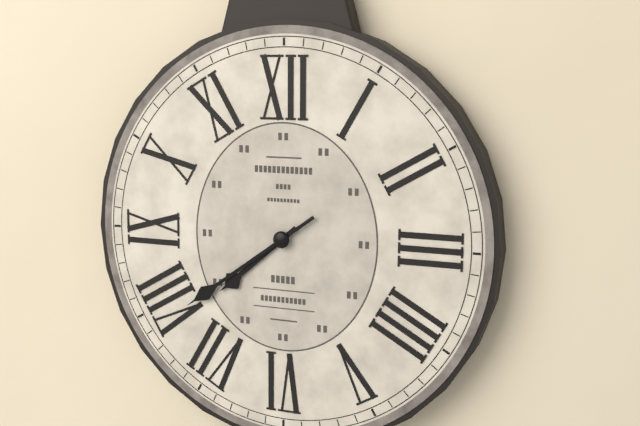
h=7 m=39
